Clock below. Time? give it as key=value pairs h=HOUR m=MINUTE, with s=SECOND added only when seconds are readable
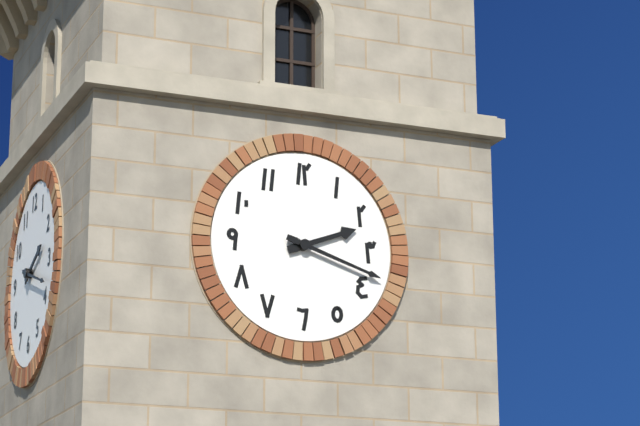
h=2 m=18
